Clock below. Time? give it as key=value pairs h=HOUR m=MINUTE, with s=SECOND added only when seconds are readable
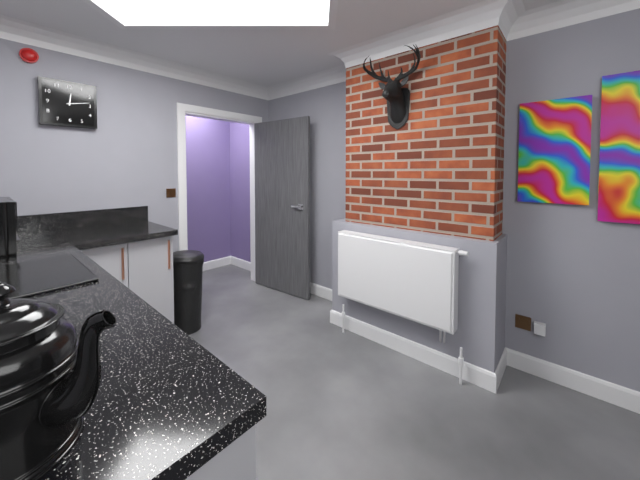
h=12 m=13
